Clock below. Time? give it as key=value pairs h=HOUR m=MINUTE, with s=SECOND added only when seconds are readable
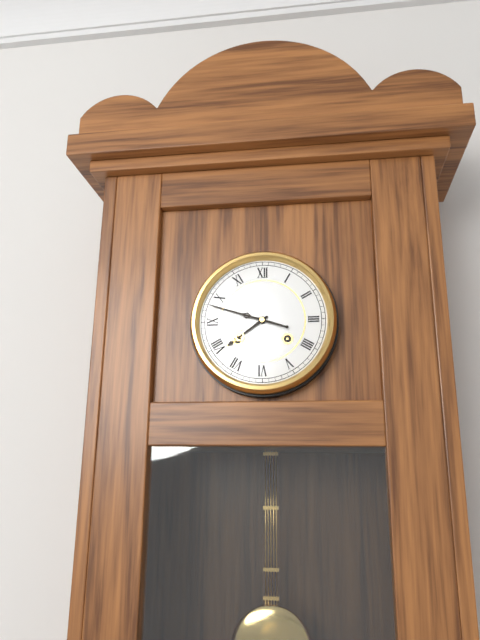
h=7 m=48
